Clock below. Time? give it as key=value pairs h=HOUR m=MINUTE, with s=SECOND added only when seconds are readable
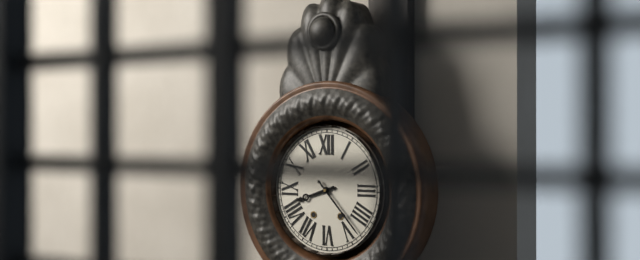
h=8 m=23
